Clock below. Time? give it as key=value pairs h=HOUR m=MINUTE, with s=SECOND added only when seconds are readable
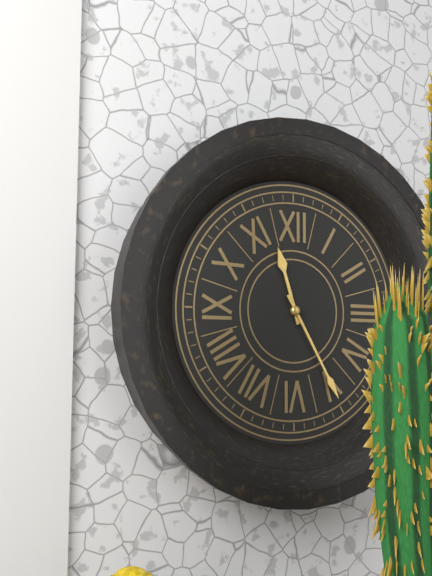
h=11 m=25
